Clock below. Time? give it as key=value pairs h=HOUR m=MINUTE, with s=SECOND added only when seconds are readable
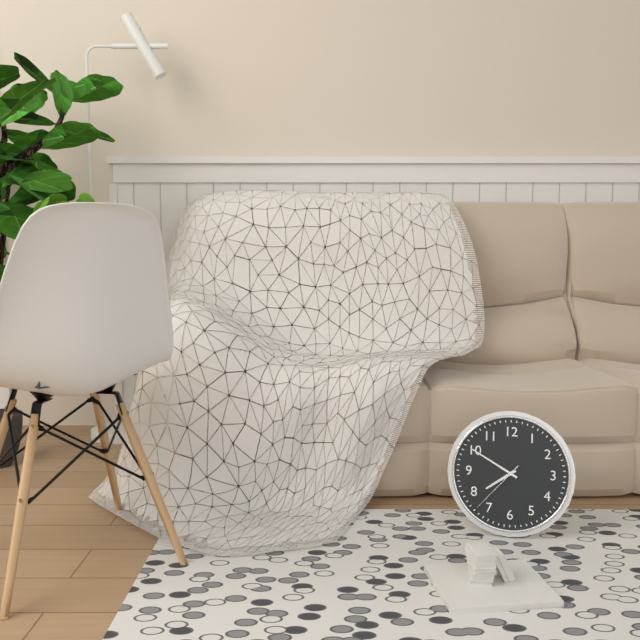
h=7 m=50 s=37
